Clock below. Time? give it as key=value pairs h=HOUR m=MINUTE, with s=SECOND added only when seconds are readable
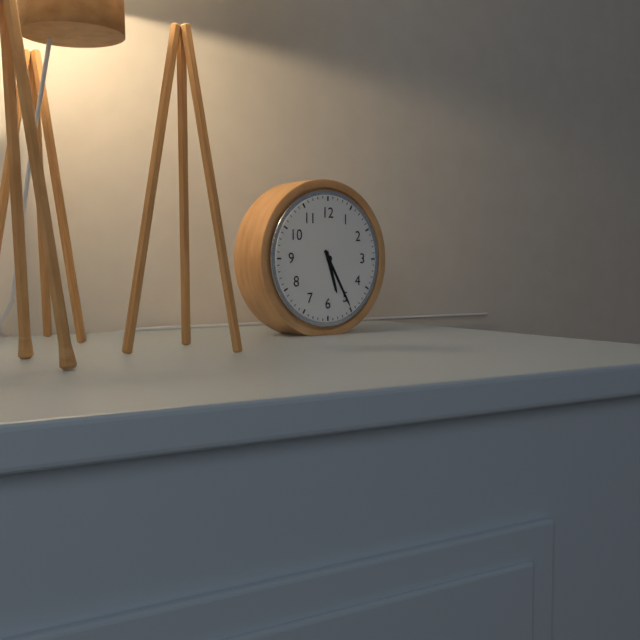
h=5 m=25
